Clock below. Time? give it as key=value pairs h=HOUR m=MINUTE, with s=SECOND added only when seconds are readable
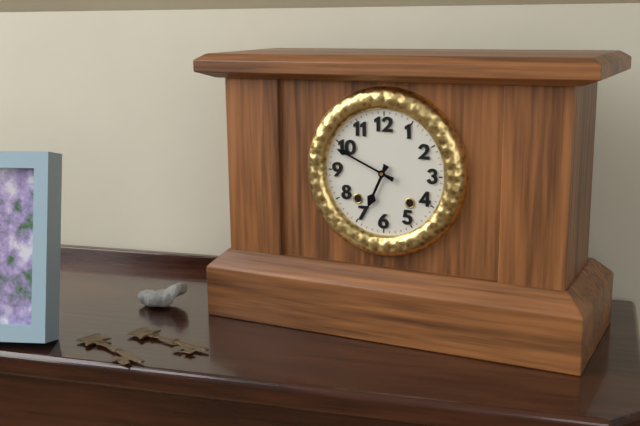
h=6 m=49
